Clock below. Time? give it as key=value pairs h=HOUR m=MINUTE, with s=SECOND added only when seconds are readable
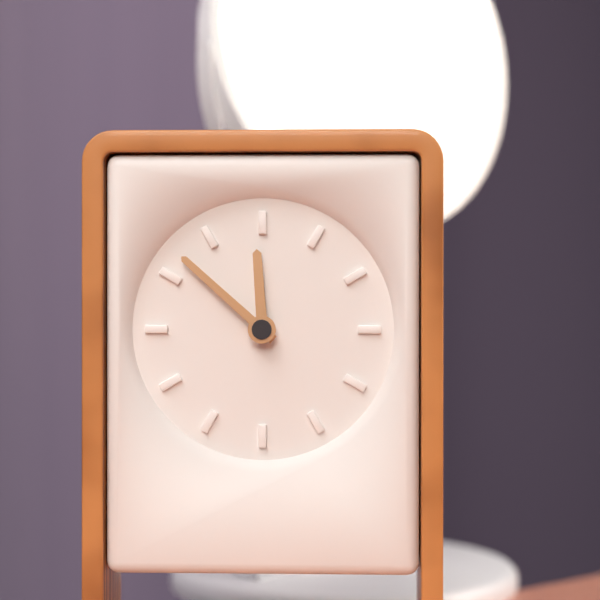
h=11 m=52
